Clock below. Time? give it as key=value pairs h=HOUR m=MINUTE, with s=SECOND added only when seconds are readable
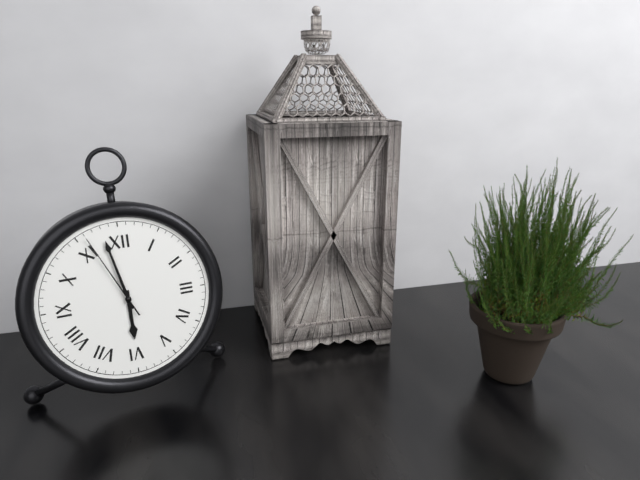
h=5 m=58 s=56
